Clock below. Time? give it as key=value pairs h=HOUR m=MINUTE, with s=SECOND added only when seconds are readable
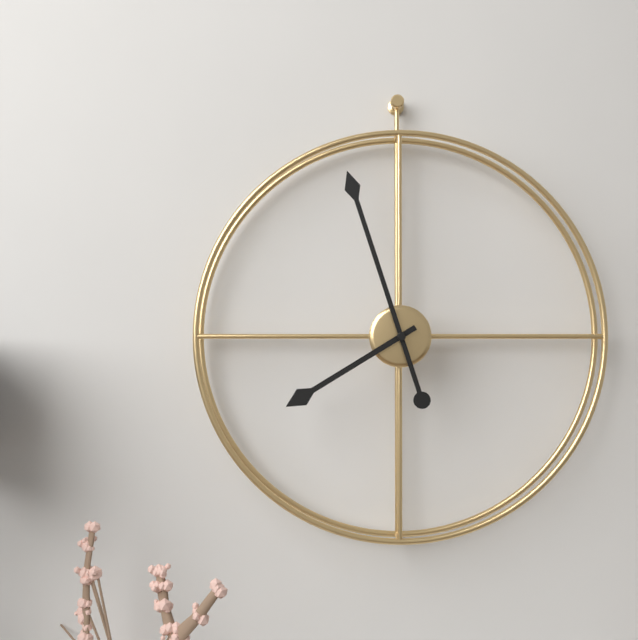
h=7 m=57
